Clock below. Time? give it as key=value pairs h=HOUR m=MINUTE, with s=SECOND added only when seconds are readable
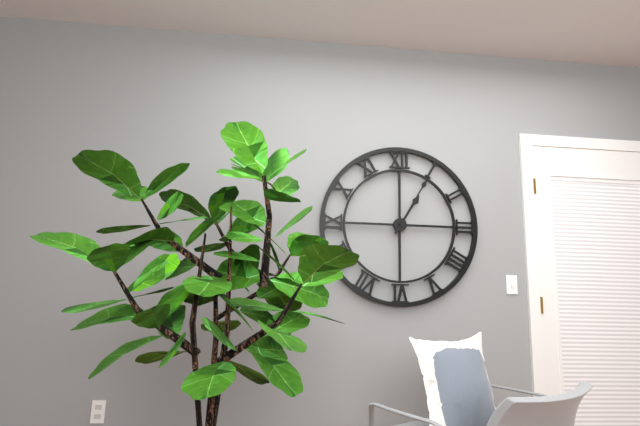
h=1 m=5
